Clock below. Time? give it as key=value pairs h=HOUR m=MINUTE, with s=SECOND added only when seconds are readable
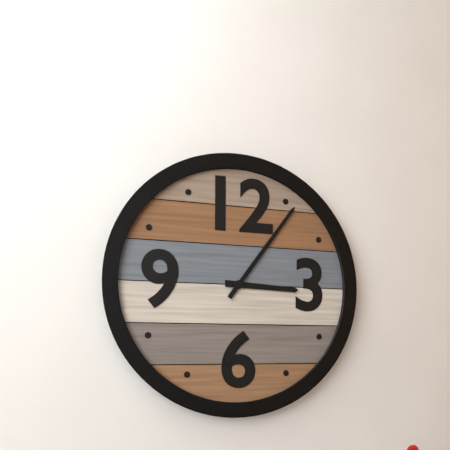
h=3 m=6
